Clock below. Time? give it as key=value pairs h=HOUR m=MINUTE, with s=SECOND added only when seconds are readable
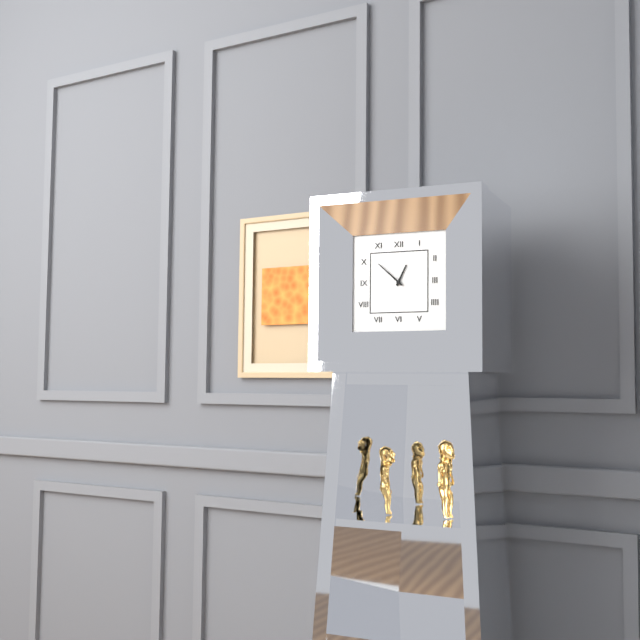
h=12 m=52
